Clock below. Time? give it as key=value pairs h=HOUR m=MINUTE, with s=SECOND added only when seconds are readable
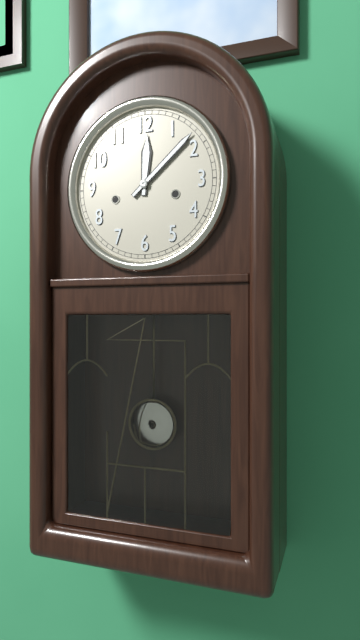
h=12 m=8
